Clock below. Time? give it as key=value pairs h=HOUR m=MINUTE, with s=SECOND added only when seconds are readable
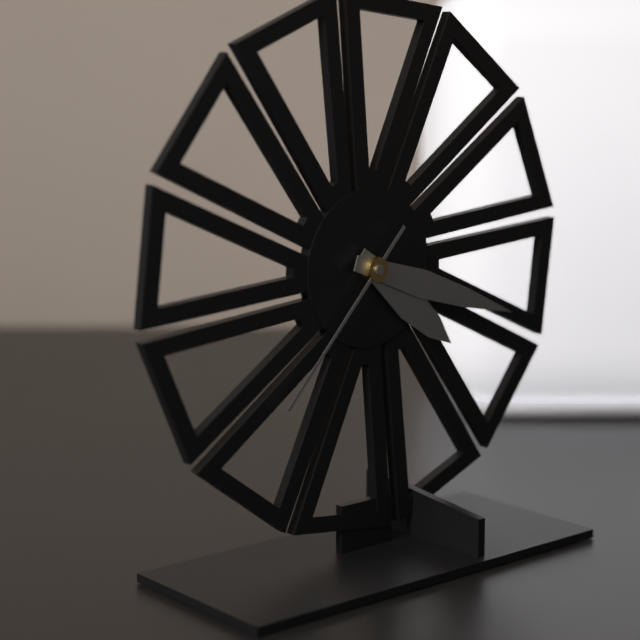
h=4 m=18 s=37
